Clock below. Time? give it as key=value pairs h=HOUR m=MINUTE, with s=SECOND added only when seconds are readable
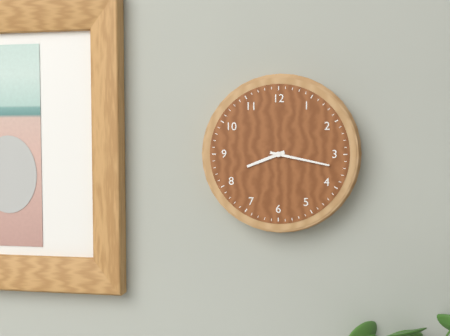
h=8 m=17
